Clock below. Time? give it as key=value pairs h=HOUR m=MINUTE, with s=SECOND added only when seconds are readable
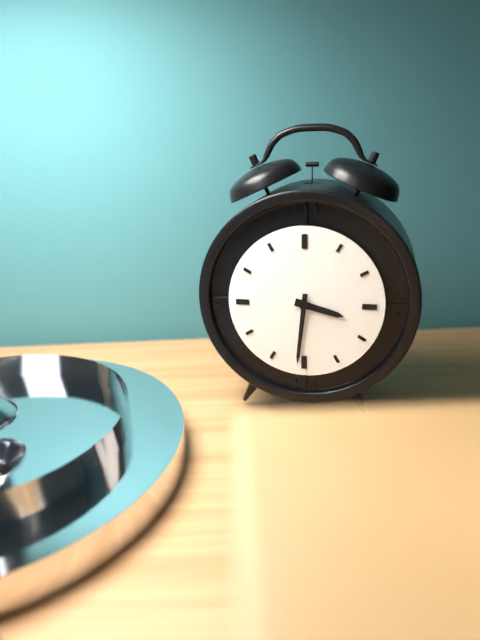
h=3 m=31
